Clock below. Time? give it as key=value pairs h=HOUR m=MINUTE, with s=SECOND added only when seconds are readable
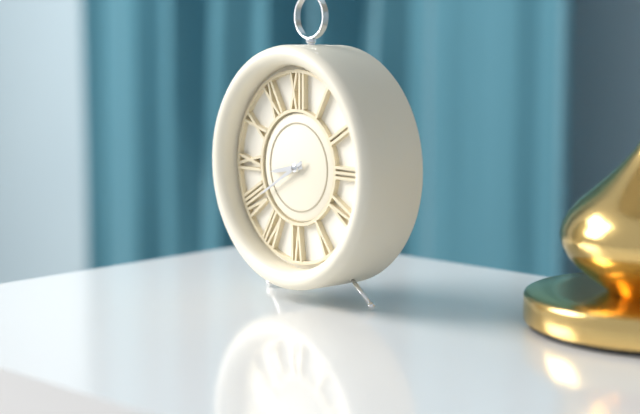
h=8 m=40
